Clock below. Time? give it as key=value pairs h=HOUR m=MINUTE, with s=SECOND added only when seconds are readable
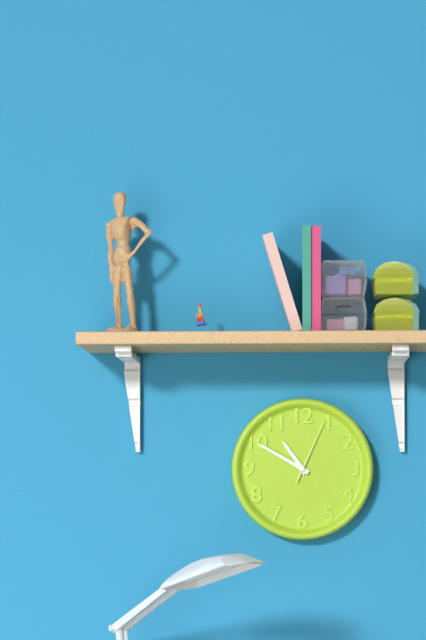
h=10 m=50 s=4
